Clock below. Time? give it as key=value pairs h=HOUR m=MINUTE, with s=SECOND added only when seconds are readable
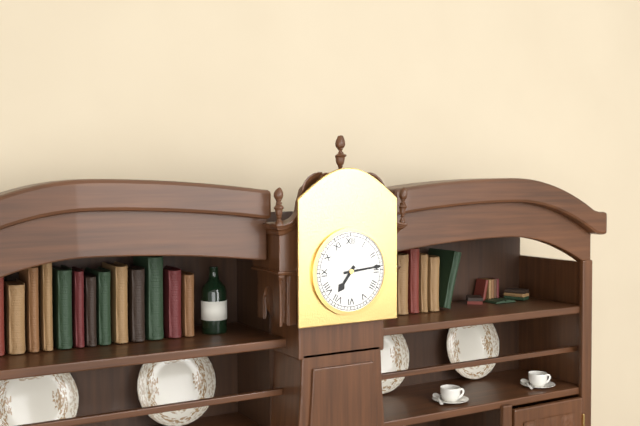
h=7 m=14
